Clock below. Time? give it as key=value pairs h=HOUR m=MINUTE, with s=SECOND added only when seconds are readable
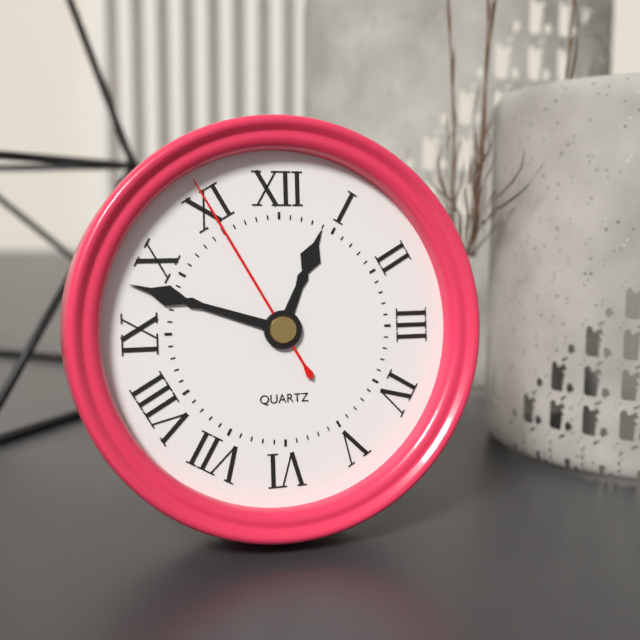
h=12 m=48 s=55
